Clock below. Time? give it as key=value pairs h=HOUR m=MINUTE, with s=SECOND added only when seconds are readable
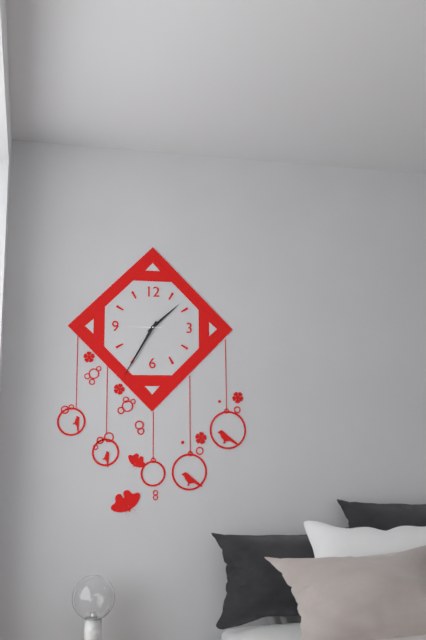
h=1 m=35
